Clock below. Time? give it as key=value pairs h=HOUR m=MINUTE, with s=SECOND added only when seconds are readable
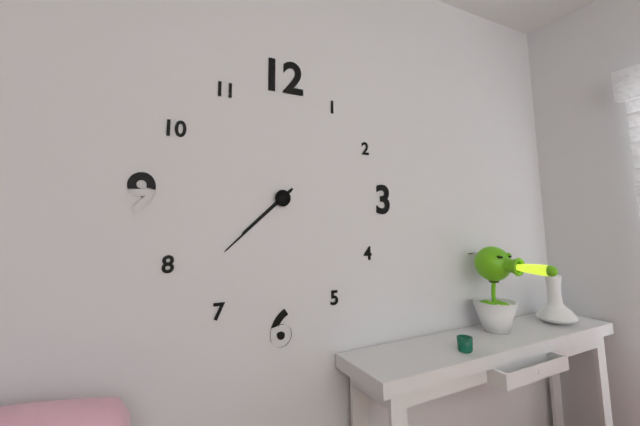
h=7 m=38
